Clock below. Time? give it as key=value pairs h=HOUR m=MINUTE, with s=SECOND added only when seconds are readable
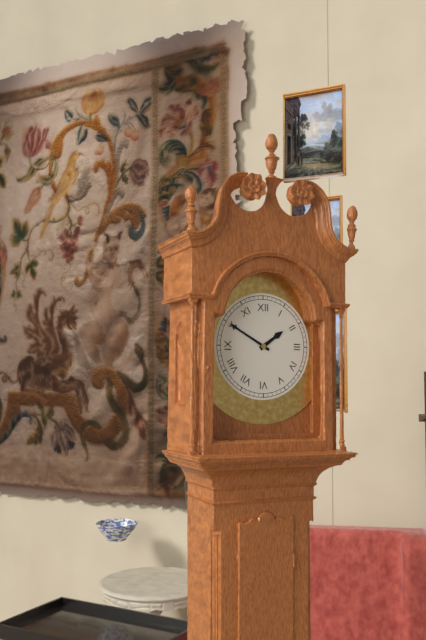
h=1 m=50
